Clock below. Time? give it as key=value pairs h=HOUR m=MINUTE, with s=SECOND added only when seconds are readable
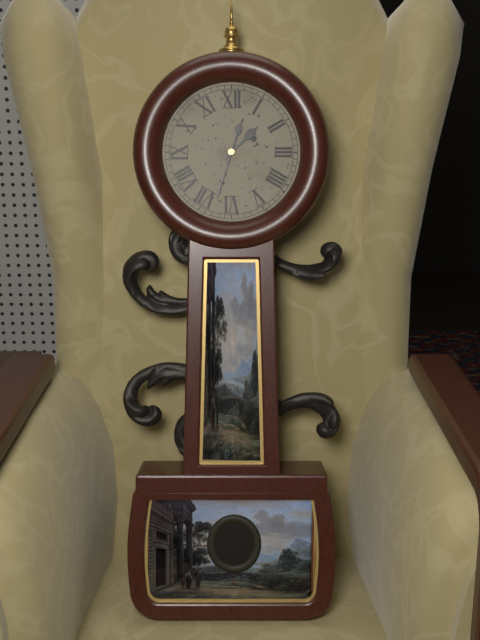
h=1 m=33
